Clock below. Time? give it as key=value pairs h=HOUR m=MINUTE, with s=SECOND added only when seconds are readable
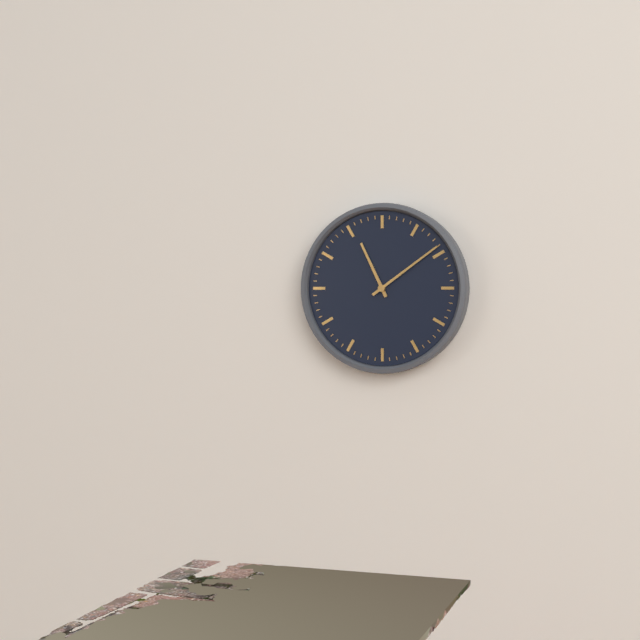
h=11 m=9
